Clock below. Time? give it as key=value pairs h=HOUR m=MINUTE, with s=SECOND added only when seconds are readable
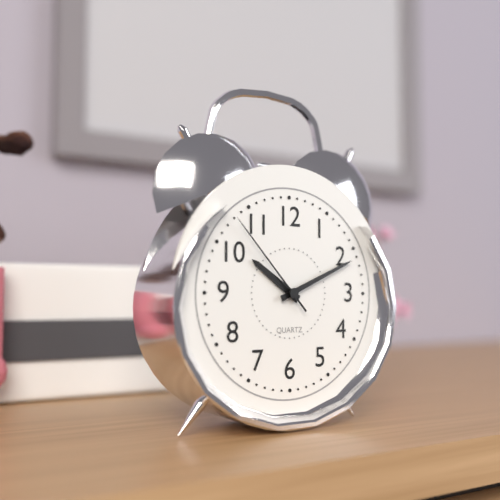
h=10 m=11 s=53
